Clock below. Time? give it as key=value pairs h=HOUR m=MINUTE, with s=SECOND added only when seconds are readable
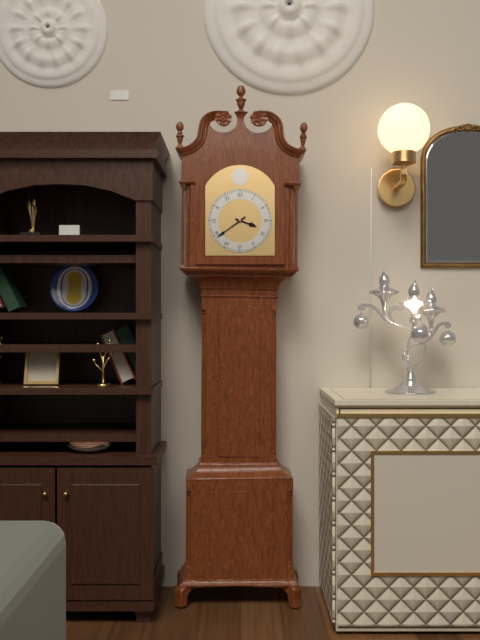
h=3 m=39
